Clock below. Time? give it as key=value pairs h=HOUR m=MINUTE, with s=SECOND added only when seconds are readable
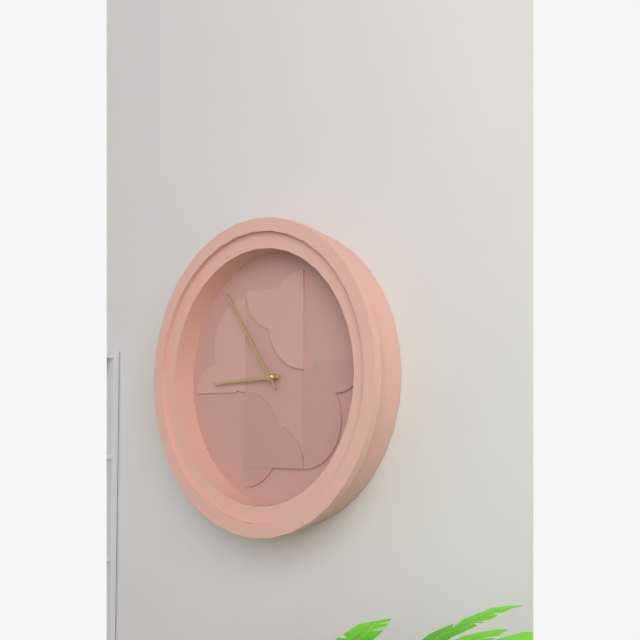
h=8 m=54
